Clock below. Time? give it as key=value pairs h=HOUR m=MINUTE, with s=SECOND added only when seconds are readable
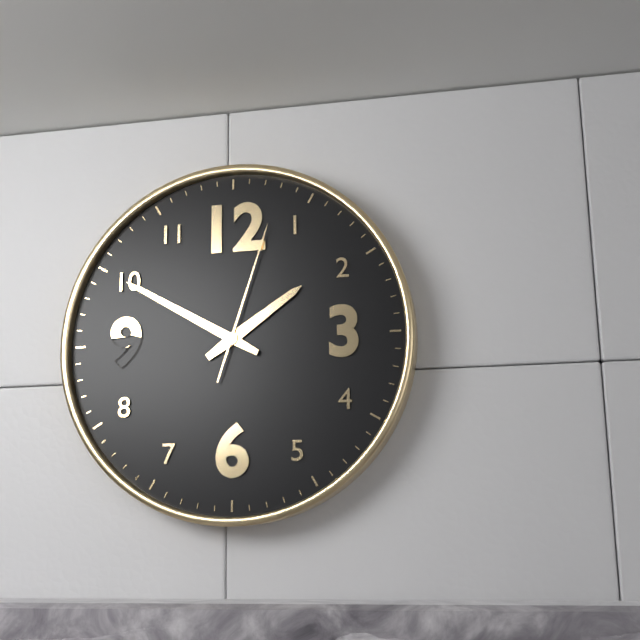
h=1 m=50 s=3
